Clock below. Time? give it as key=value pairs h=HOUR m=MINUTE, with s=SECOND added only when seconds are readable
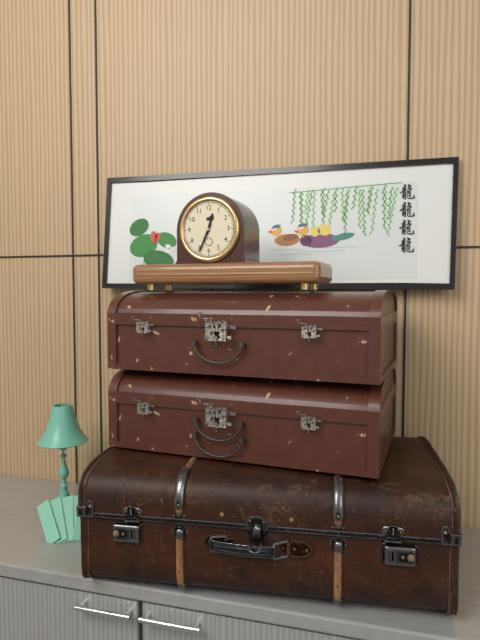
h=12 m=34
